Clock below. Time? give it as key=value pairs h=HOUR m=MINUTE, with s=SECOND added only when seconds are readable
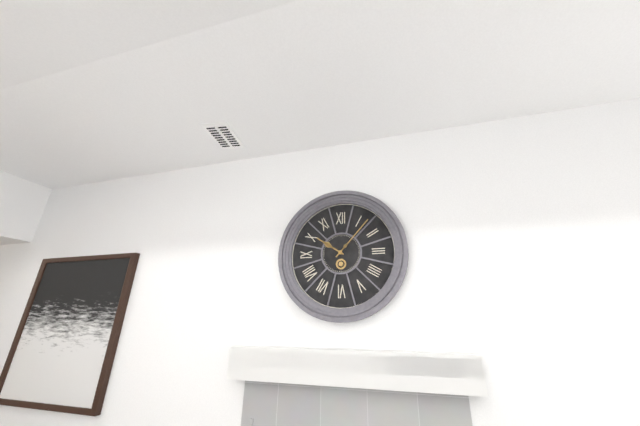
h=10 m=7
